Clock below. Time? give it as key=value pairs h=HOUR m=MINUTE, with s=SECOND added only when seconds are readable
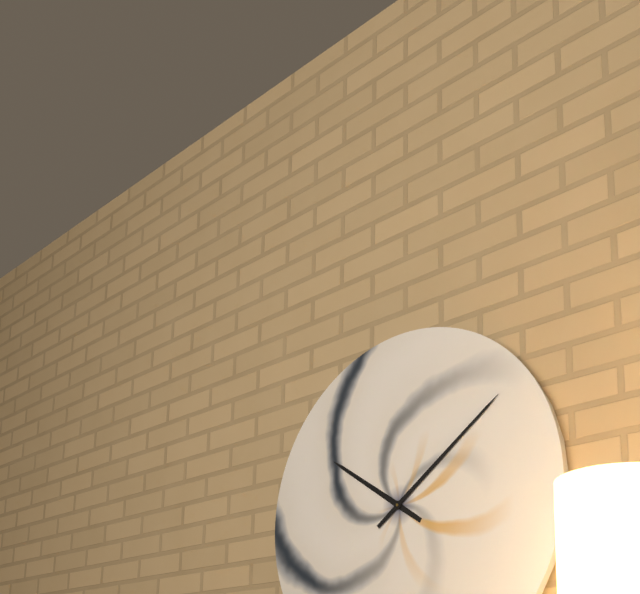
h=10 m=9
